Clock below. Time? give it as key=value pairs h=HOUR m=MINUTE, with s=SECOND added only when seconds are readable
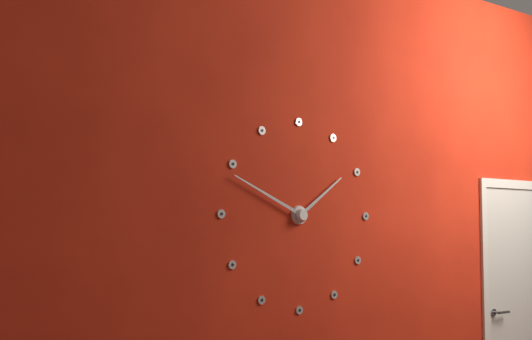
h=1 m=49
